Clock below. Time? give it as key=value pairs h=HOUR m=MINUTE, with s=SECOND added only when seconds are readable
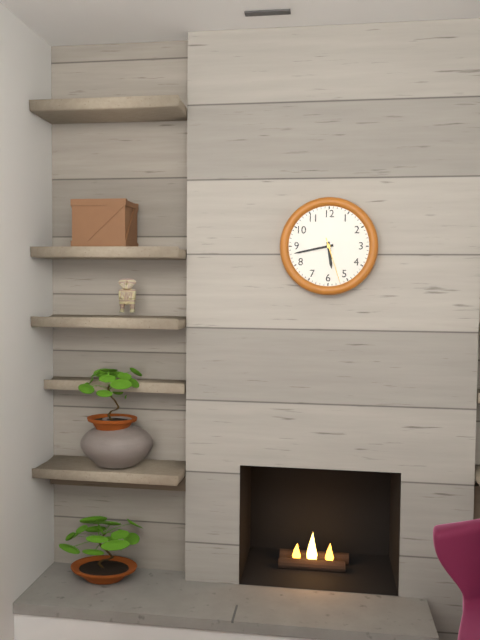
h=5 m=43
